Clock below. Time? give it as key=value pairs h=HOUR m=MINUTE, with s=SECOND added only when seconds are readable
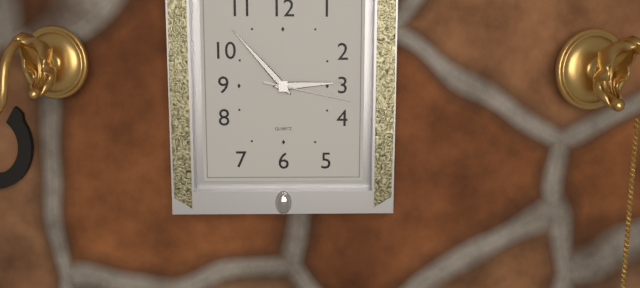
h=2 m=53 s=17
